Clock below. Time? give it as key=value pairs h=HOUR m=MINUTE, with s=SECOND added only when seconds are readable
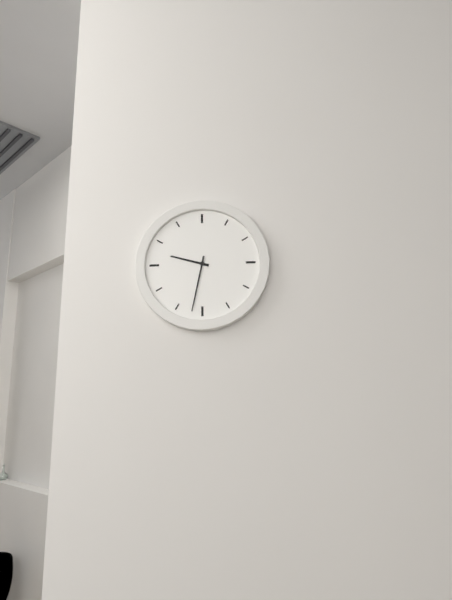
h=9 m=32
